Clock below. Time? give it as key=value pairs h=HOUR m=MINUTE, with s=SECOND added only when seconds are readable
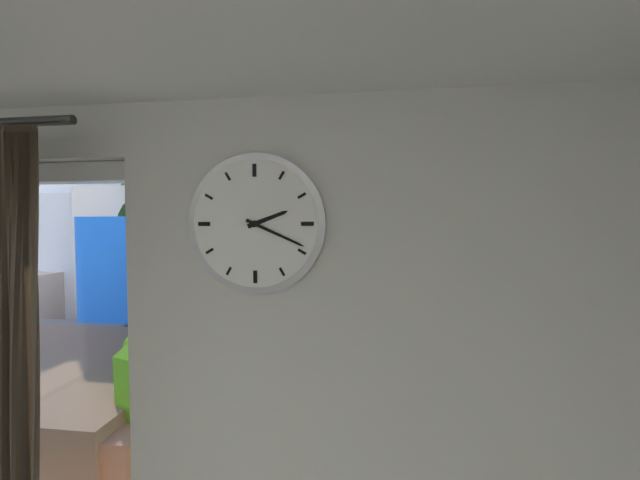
h=2 m=19
